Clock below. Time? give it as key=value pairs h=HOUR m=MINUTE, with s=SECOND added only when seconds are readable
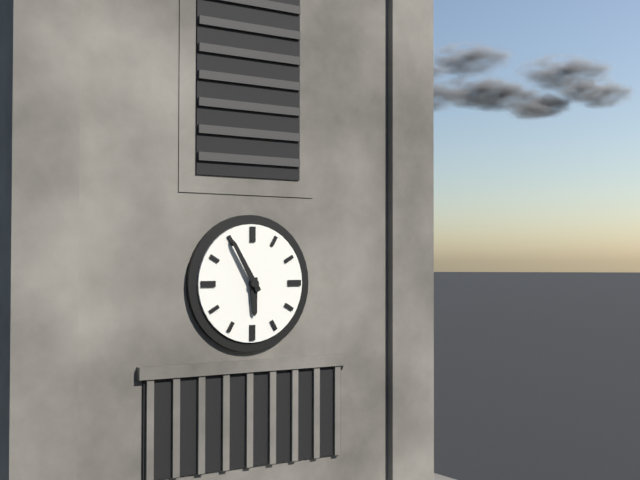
h=5 m=55
